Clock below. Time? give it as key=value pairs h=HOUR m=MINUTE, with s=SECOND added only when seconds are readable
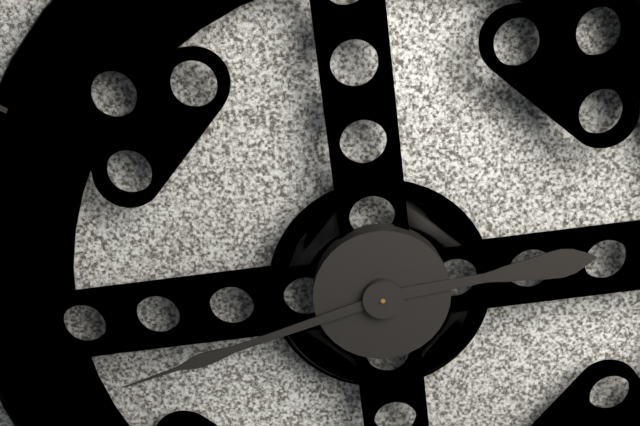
h=2 m=42
